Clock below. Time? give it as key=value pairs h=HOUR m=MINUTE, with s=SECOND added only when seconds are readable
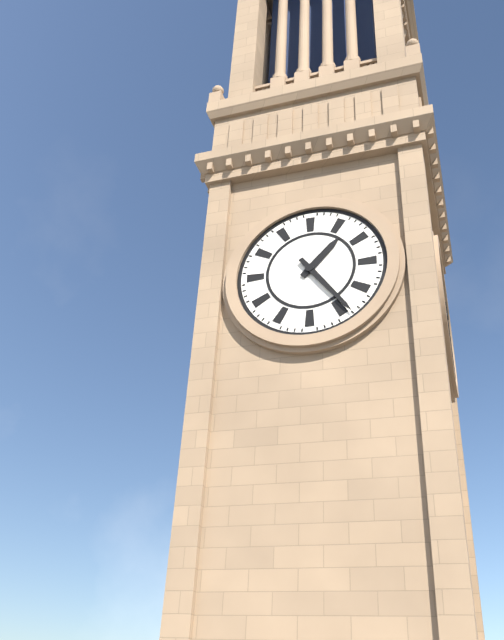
h=1 m=24
